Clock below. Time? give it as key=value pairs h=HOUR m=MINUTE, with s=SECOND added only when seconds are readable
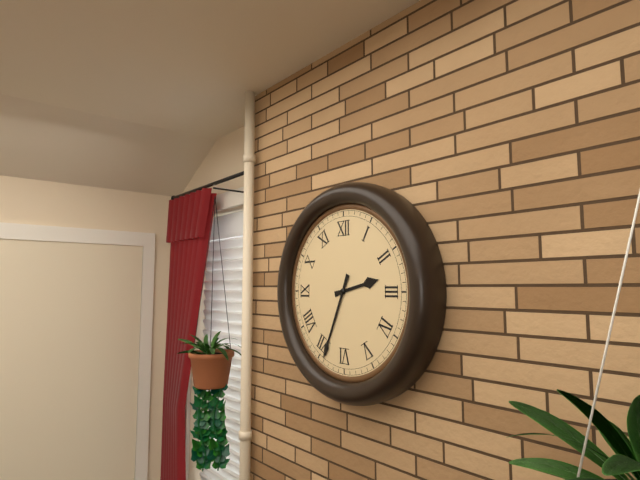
h=2 m=34
